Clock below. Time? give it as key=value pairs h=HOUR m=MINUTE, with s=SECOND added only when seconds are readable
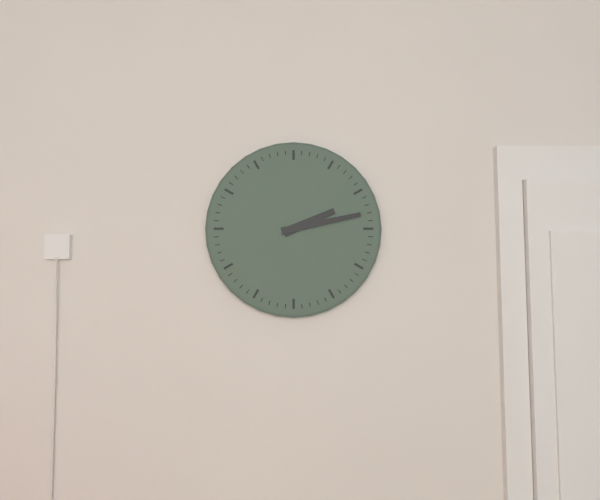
h=2 m=13
